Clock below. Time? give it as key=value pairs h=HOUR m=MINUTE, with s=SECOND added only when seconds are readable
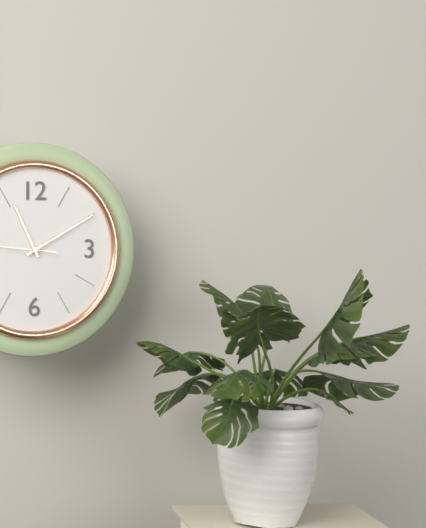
h=11 m=10
